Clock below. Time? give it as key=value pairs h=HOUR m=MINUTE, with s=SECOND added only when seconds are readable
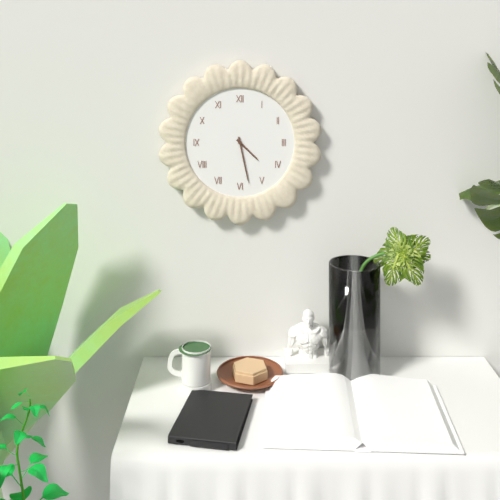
h=4 m=28
